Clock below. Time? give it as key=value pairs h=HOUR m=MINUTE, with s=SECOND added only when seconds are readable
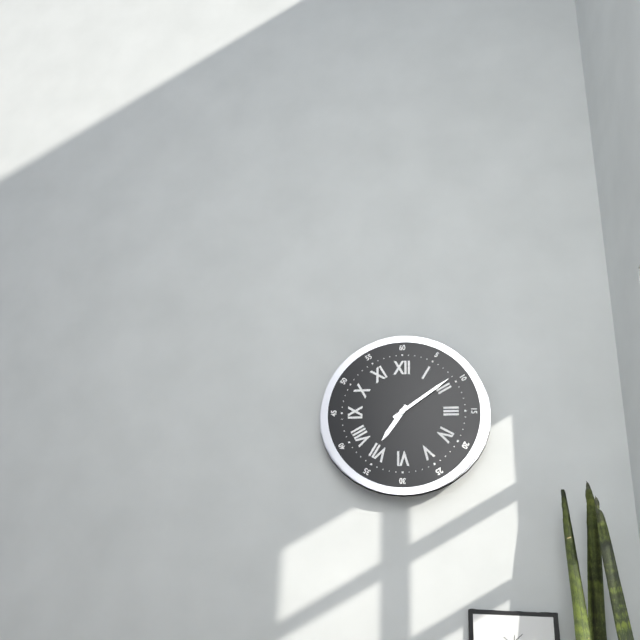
h=7 m=9
